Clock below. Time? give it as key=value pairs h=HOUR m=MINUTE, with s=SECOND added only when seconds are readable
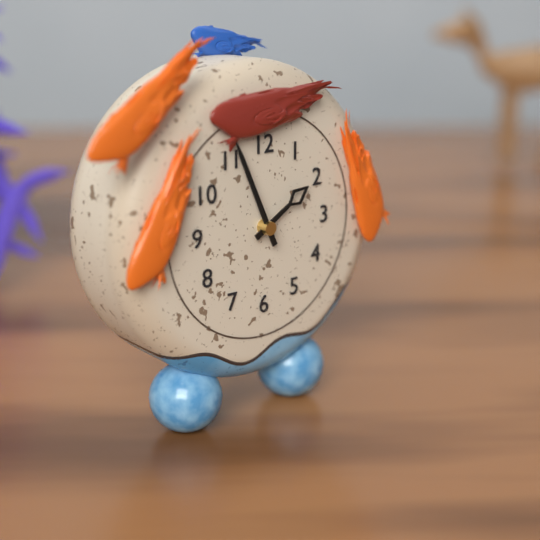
h=1 m=56
